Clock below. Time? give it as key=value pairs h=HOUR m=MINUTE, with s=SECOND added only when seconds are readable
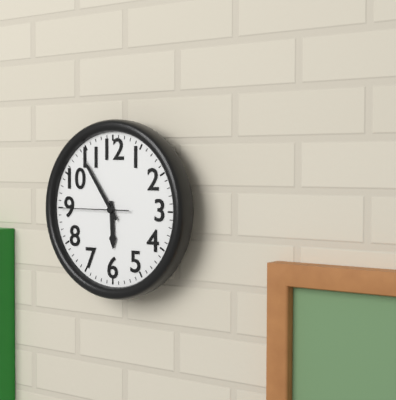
h=5 m=54 s=45
